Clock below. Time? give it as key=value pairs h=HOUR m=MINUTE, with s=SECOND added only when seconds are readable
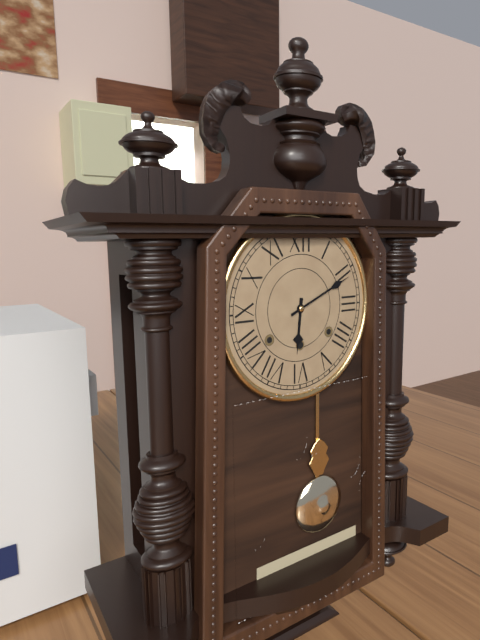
h=6 m=11
